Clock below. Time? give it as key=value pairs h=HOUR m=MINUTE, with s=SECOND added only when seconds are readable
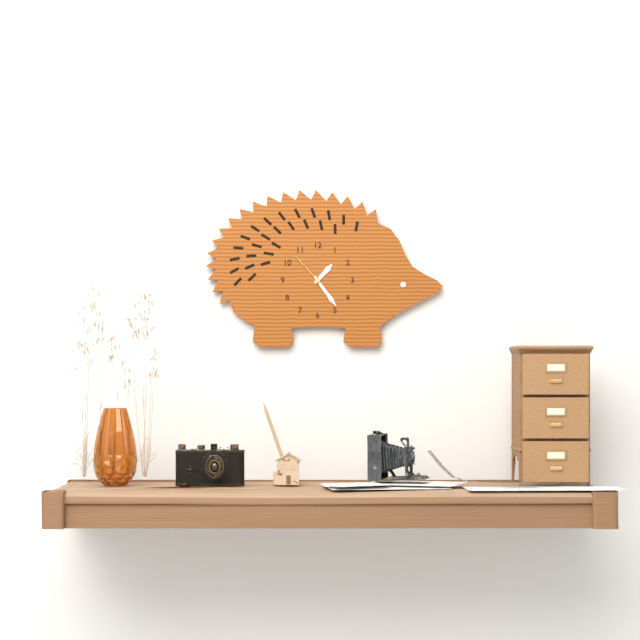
h=1 m=24
